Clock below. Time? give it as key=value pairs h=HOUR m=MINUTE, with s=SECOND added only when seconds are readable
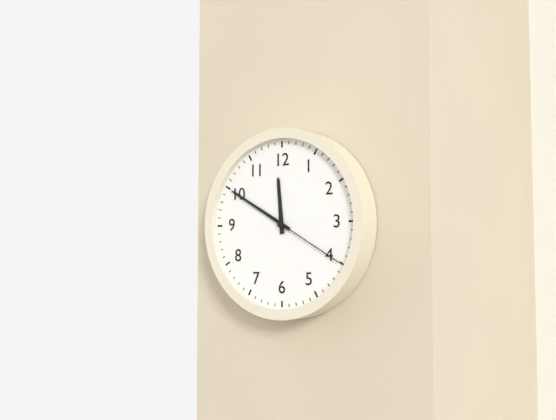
h=11 m=50 s=20
